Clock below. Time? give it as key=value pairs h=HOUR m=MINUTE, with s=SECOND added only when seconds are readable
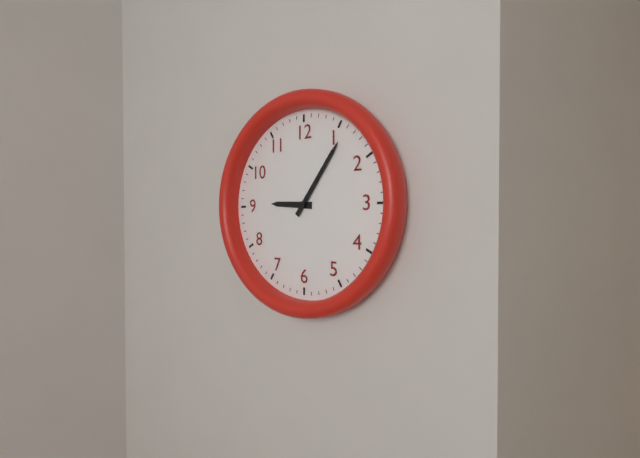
h=9 m=6
